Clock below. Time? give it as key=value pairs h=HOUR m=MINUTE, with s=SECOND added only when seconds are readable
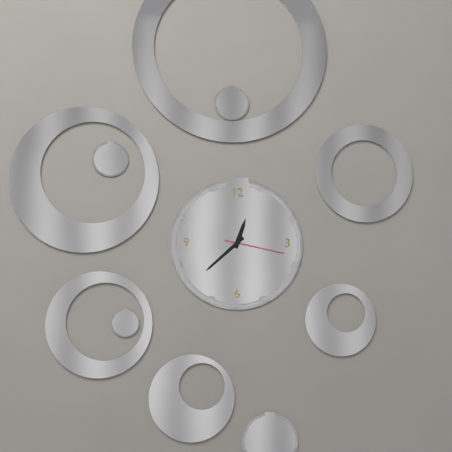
h=12 m=38 s=17
